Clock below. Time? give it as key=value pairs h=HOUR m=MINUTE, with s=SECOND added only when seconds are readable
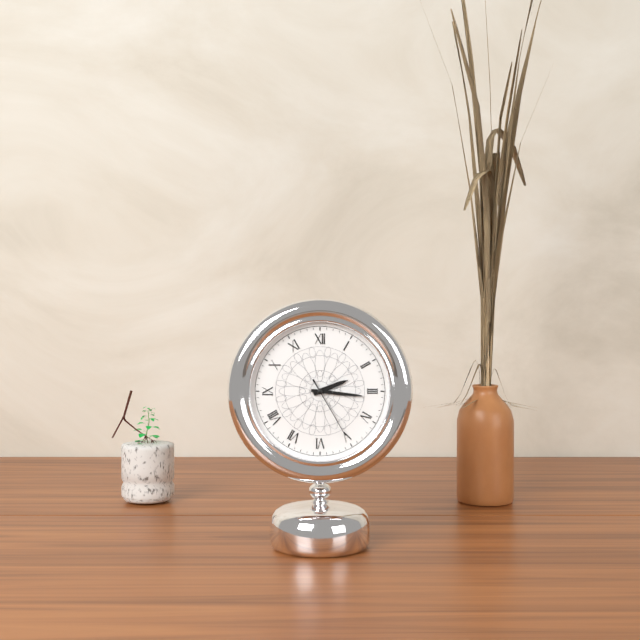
h=2 m=16 s=25
